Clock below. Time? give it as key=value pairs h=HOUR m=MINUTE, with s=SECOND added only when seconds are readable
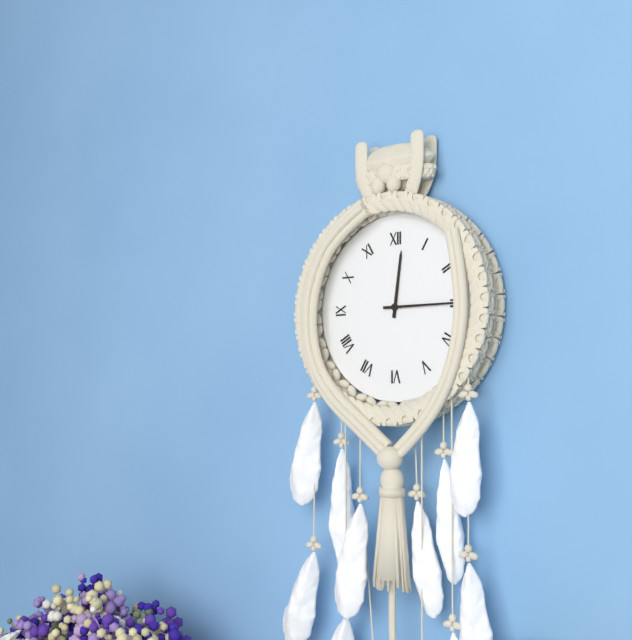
h=12 m=15
